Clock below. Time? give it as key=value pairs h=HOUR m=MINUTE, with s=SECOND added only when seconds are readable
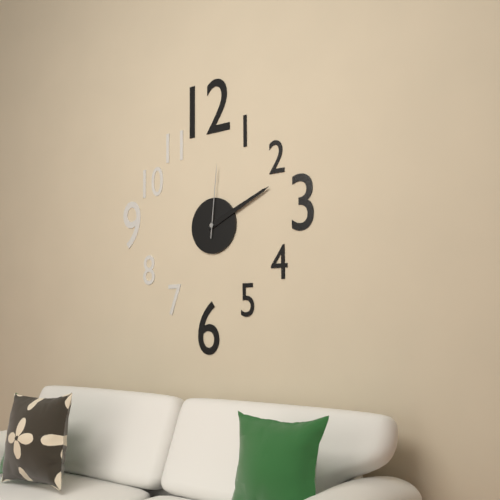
h=2 m=11 s=1
